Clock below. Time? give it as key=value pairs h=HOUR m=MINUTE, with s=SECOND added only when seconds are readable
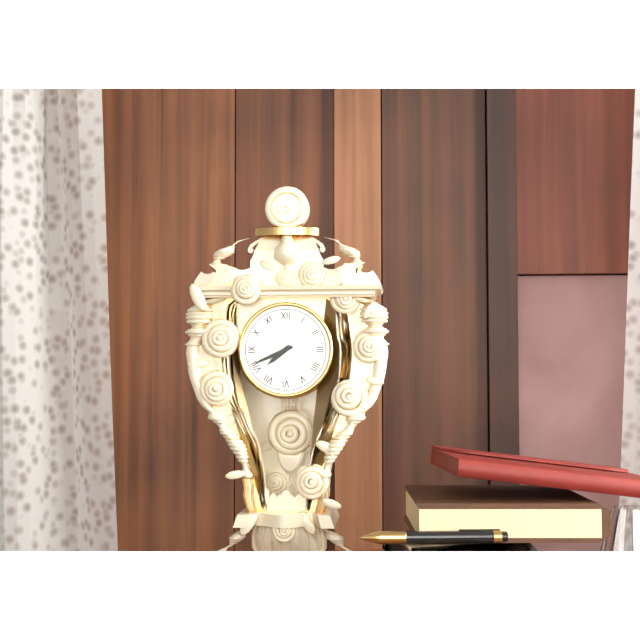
h=7 m=41
